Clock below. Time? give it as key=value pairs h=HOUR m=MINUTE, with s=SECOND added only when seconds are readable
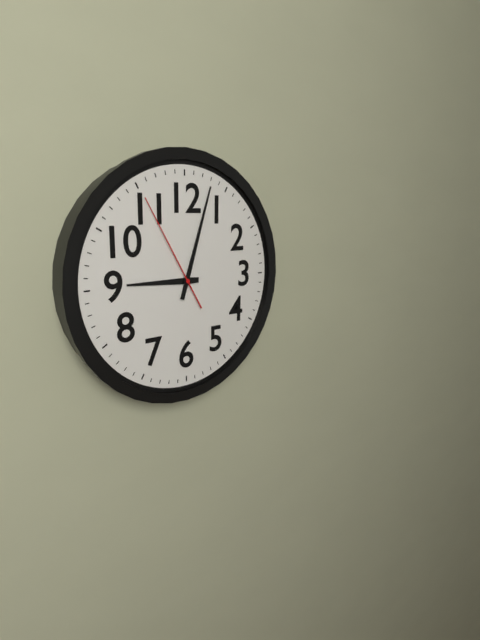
h=9 m=3 s=55
